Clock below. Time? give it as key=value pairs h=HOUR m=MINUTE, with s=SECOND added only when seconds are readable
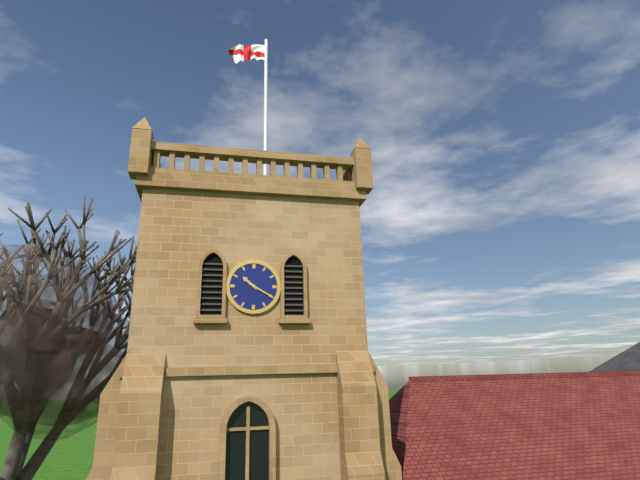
h=10 m=20
